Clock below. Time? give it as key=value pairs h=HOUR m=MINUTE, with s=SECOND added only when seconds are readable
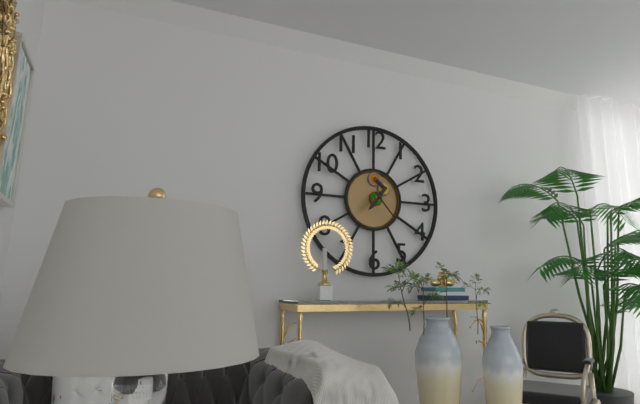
h=7 m=23
